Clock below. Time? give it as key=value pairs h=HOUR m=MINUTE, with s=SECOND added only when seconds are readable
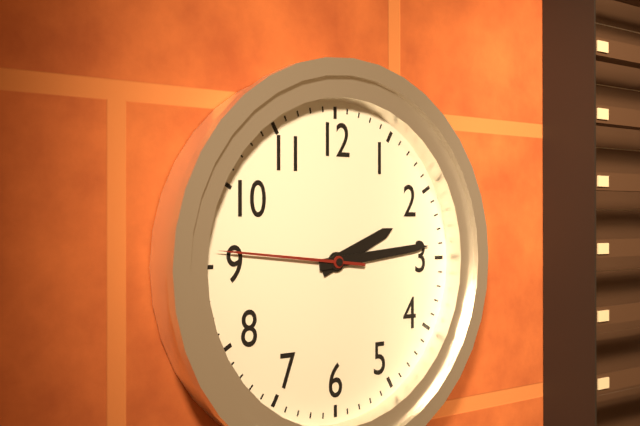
h=2 m=14 s=46
